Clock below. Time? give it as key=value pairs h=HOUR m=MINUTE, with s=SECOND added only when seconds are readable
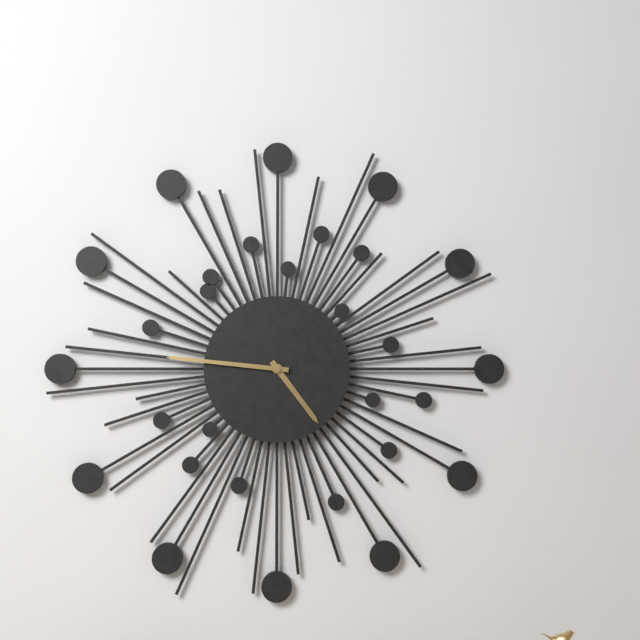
h=4 m=46
